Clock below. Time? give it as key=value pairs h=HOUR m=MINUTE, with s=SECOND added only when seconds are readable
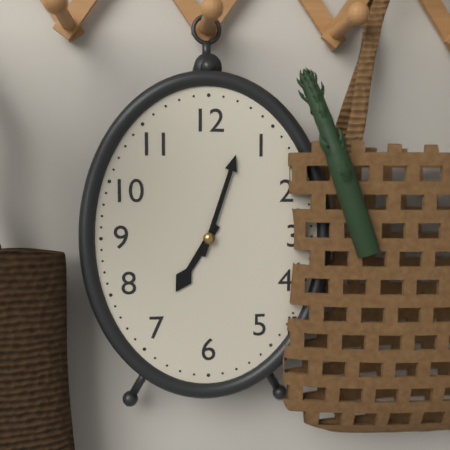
h=7 m=3
